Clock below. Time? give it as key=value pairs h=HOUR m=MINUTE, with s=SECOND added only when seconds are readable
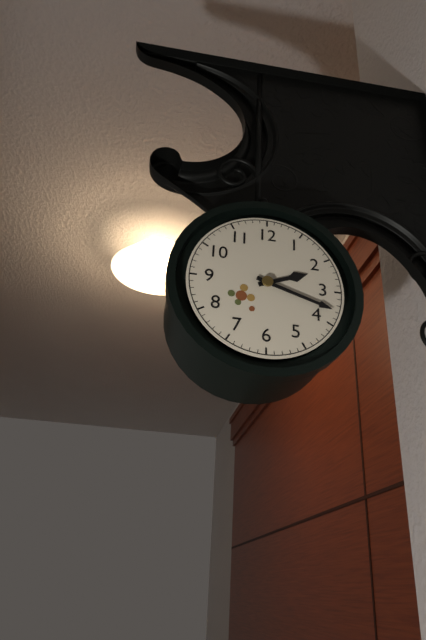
h=2 m=18
